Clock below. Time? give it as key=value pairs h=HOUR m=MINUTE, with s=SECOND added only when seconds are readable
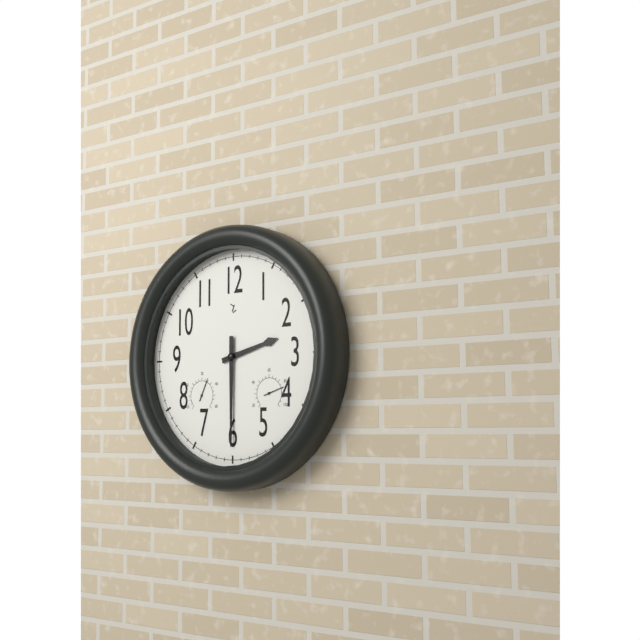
h=2 m=30
